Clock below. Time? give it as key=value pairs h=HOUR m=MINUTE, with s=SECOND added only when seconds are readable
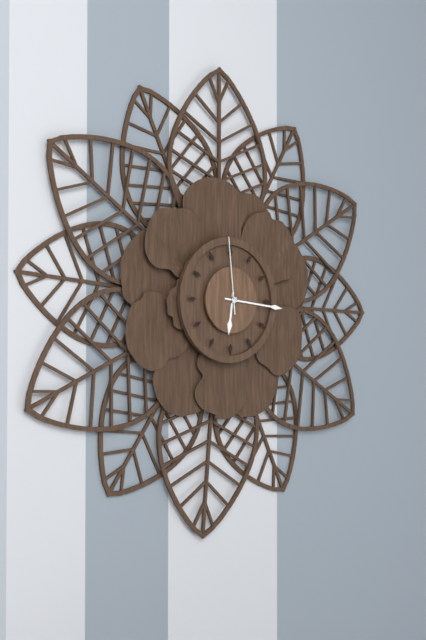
h=6 m=16 s=59
